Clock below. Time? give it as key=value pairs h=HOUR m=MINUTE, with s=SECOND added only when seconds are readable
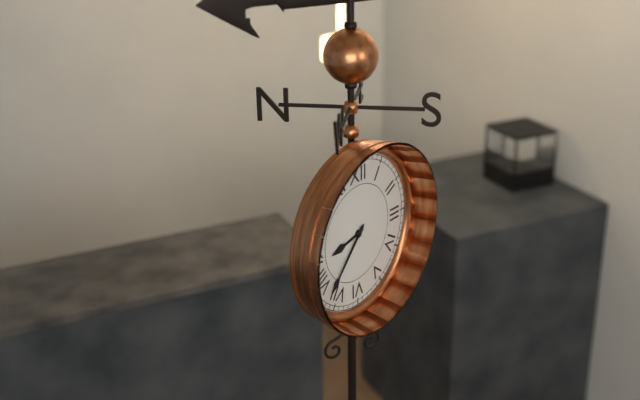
h=8 m=37
